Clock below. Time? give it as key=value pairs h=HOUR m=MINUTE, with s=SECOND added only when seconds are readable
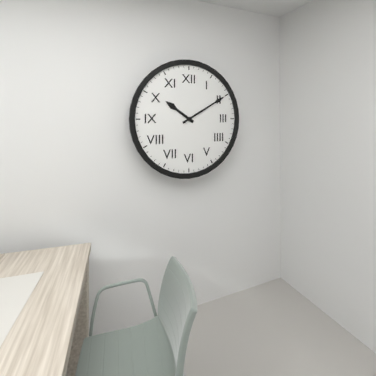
h=10 m=10
